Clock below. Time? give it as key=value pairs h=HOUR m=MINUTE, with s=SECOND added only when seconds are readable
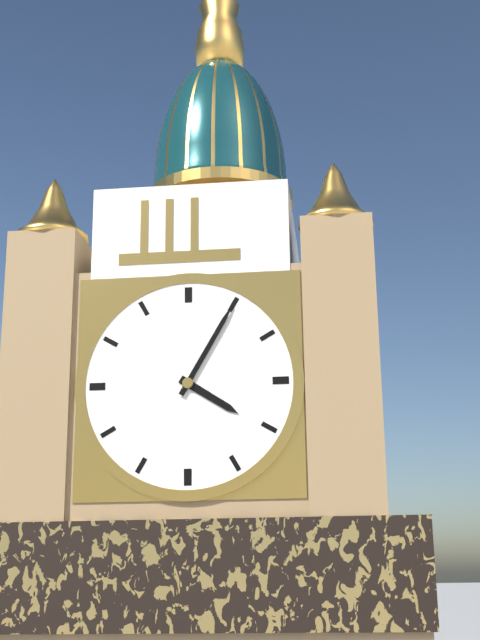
h=4 m=5
